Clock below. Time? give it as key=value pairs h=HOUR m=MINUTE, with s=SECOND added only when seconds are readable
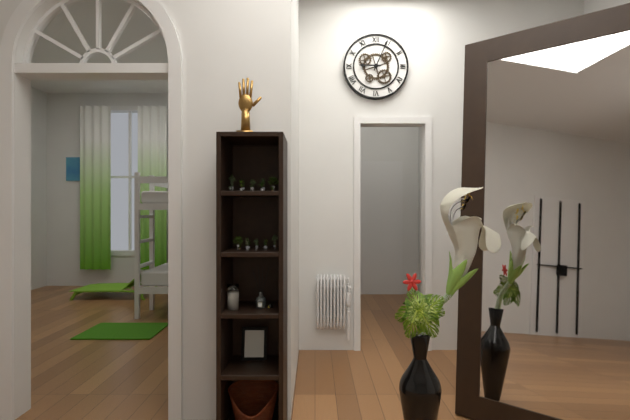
h=9 m=4
